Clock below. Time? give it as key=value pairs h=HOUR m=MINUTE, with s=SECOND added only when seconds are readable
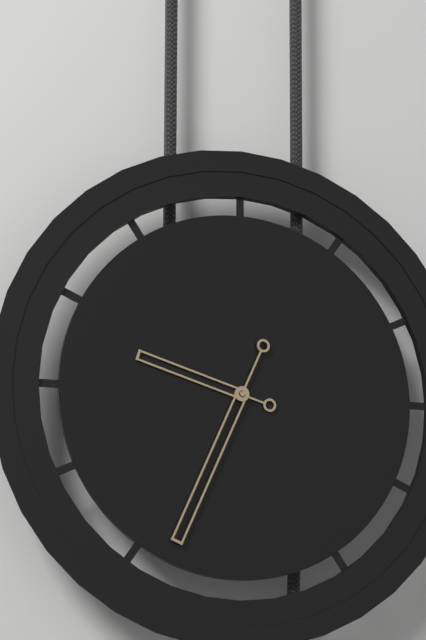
h=9 m=34
